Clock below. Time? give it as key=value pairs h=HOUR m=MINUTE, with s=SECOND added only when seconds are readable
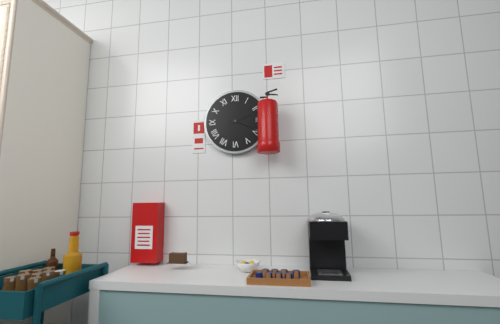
h=2 m=19
